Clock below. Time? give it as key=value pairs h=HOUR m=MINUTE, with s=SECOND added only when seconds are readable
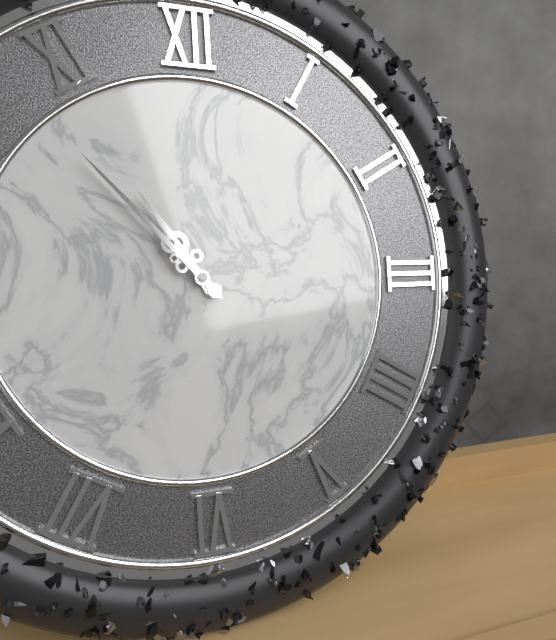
h=10 m=53
